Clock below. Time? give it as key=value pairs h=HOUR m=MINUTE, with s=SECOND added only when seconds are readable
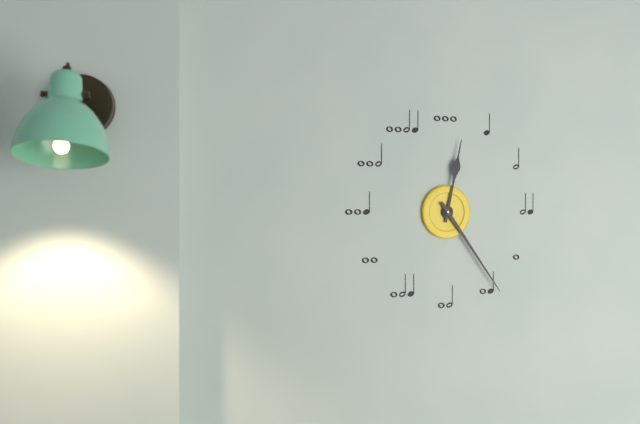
h=12 m=24
